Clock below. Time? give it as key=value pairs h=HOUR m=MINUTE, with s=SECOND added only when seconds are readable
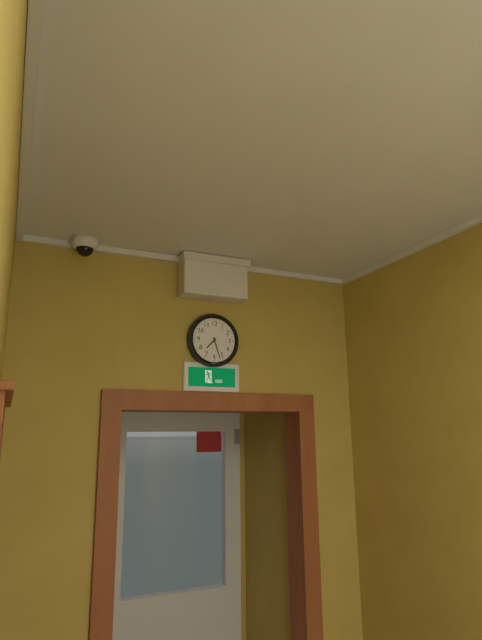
h=7 m=27
